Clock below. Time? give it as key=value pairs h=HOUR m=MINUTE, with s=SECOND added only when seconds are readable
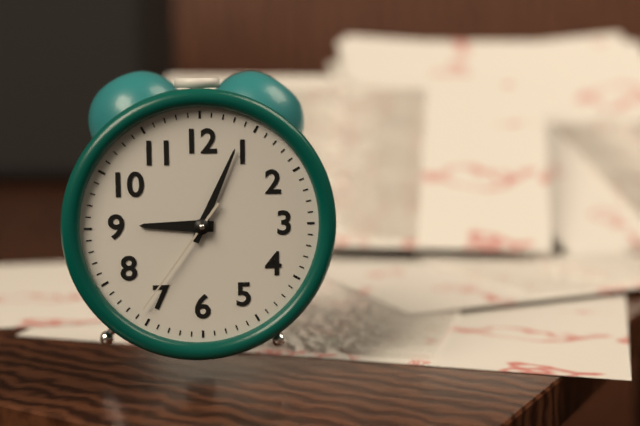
h=9 m=4 s=36
